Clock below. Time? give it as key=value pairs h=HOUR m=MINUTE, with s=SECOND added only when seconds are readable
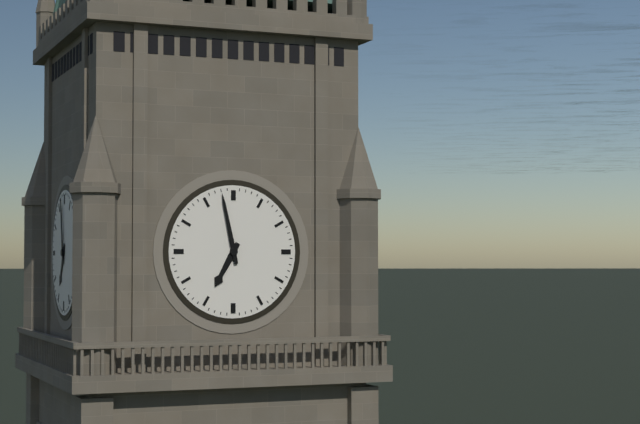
h=6 m=58
